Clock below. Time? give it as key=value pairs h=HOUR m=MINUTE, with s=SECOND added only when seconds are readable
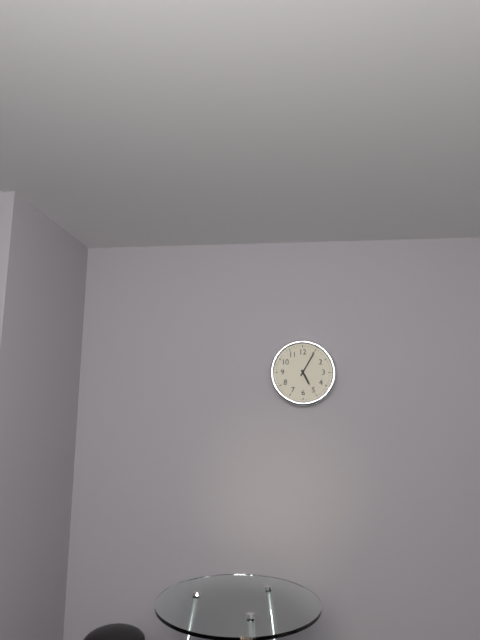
h=5 m=5
